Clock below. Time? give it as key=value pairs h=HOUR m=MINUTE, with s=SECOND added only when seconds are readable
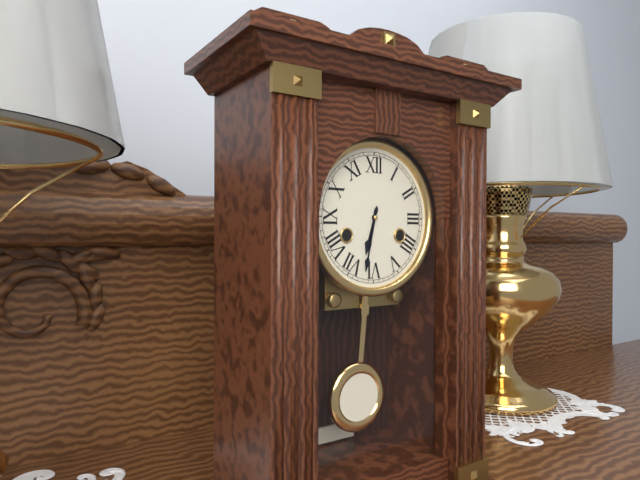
h=6 m=32
